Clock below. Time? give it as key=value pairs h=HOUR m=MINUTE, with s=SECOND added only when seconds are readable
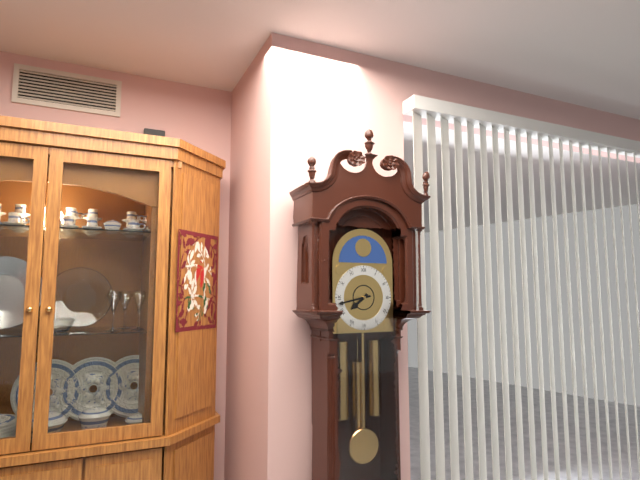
h=7 m=43
